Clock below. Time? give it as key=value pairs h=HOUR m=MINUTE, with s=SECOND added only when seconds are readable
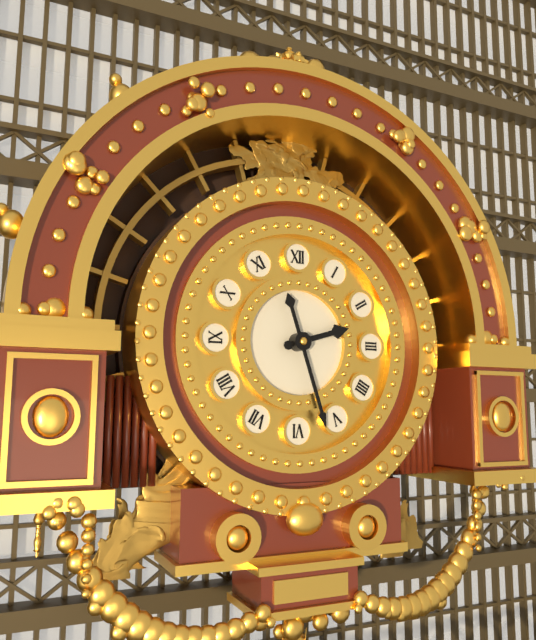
h=2 m=27
